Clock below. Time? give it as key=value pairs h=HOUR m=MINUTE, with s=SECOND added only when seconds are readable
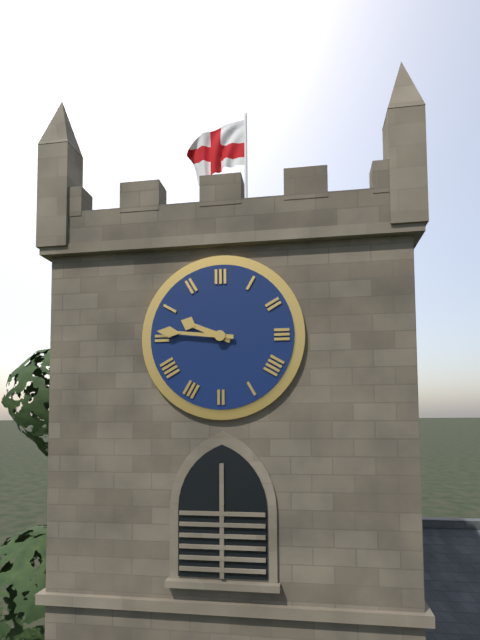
h=9 m=46
